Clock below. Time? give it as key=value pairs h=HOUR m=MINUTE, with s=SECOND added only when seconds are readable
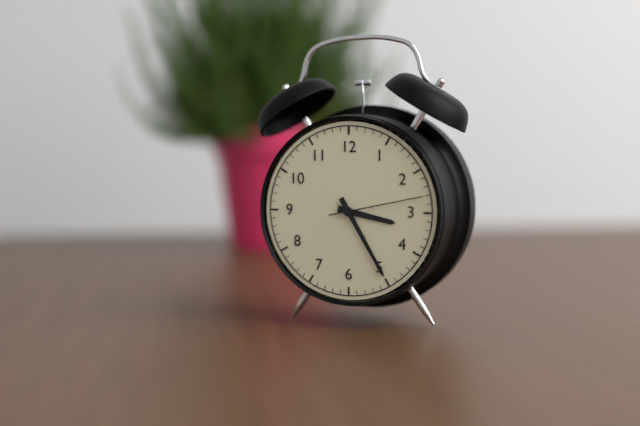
h=3 m=25 s=13
